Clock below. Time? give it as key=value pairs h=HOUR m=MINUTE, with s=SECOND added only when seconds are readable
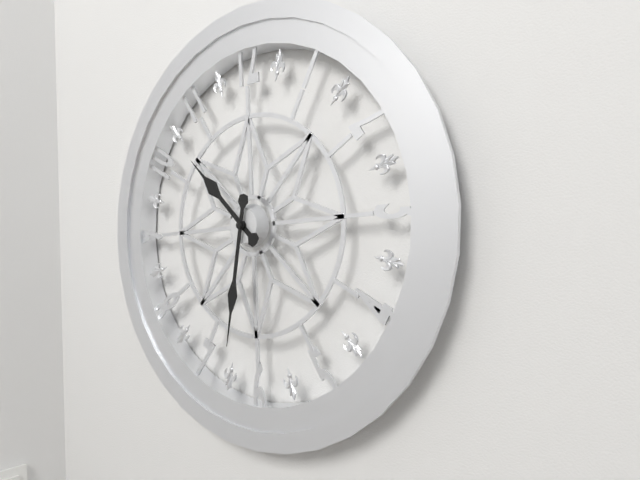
h=10 m=32
